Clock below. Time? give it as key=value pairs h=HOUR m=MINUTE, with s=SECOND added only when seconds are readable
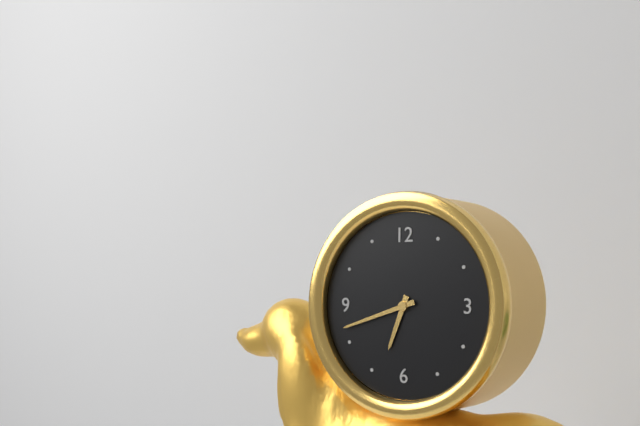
h=6 m=42
